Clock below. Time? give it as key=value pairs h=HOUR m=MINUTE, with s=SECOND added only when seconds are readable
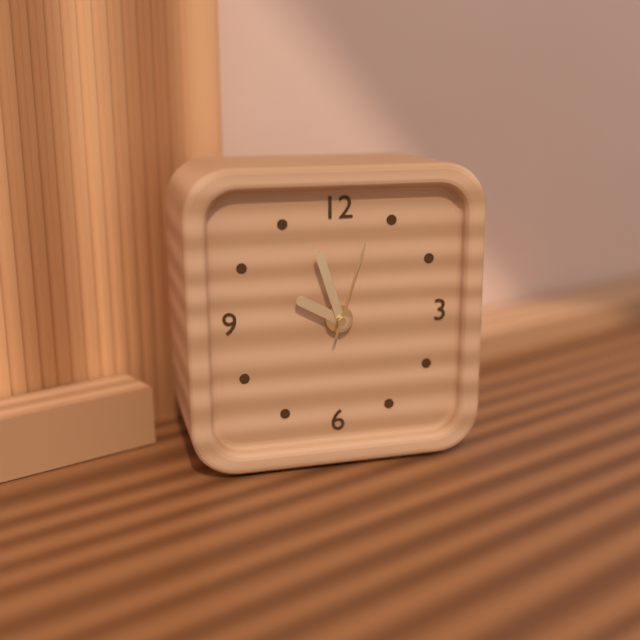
h=9 m=57 s=3
